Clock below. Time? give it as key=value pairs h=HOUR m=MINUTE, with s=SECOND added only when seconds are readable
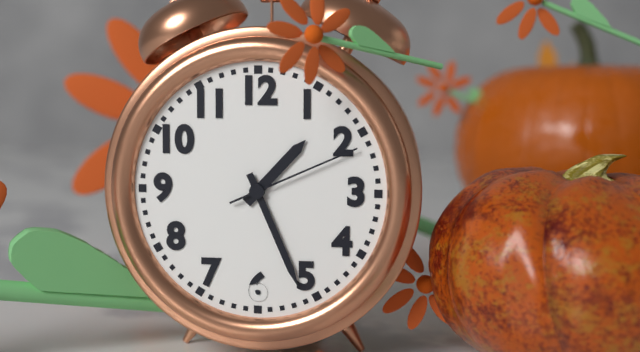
h=1 m=26 s=11
